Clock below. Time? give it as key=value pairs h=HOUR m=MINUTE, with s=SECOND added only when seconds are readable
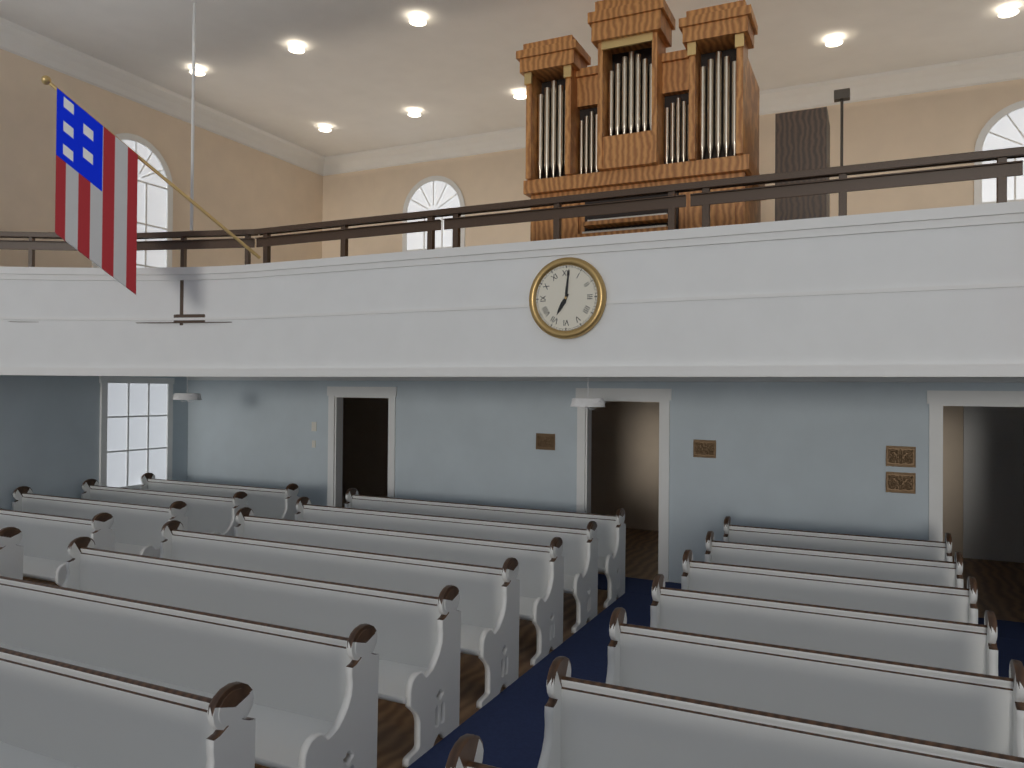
h=7 m=1
